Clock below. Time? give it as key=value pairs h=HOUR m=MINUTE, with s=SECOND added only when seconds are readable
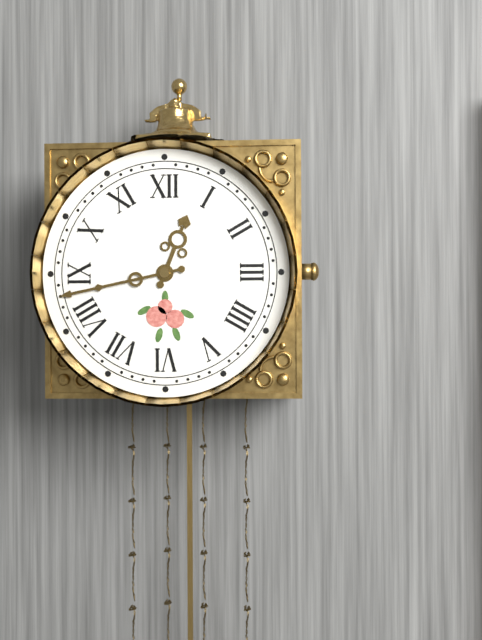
h=12 m=43
